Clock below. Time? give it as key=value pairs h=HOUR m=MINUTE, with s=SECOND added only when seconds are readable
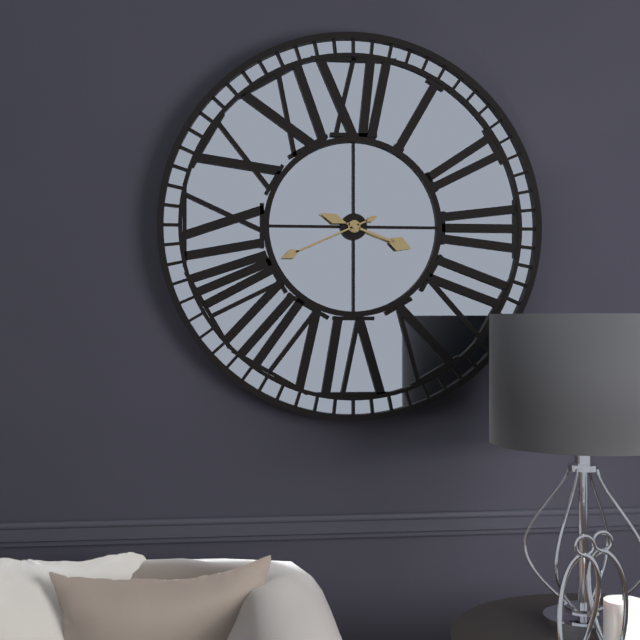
h=3 m=41
